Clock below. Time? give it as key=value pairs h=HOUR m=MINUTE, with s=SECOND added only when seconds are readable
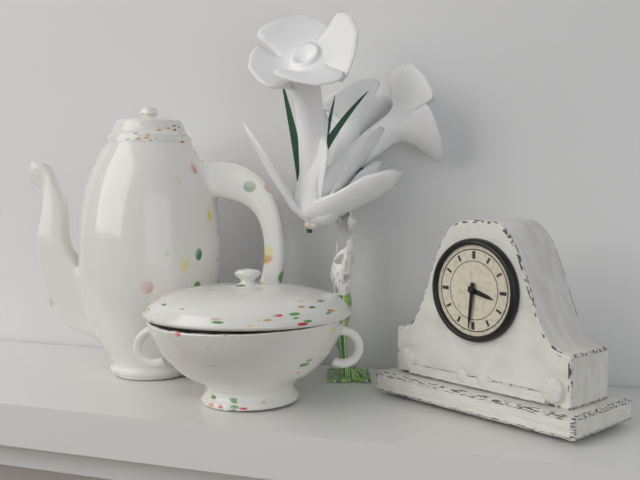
h=3 m=31
